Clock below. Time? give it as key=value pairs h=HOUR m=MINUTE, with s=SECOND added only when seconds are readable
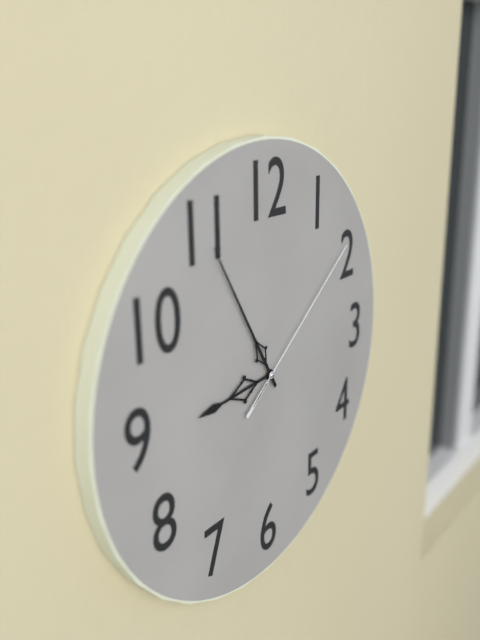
h=8 m=55 s=9
